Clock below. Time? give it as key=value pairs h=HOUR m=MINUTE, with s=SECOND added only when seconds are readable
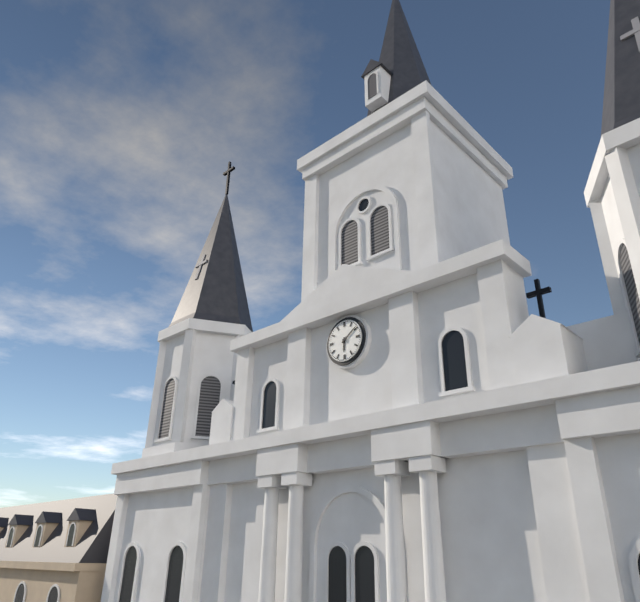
h=6 m=9
